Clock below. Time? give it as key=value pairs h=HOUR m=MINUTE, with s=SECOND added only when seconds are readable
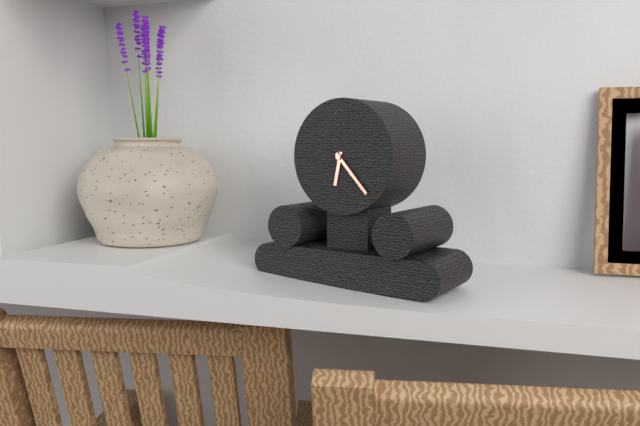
h=6 m=23
